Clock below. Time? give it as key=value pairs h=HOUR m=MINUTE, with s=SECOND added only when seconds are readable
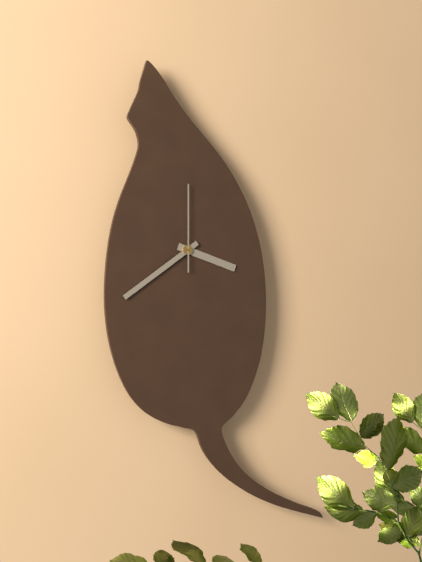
h=3 m=39 s=0
